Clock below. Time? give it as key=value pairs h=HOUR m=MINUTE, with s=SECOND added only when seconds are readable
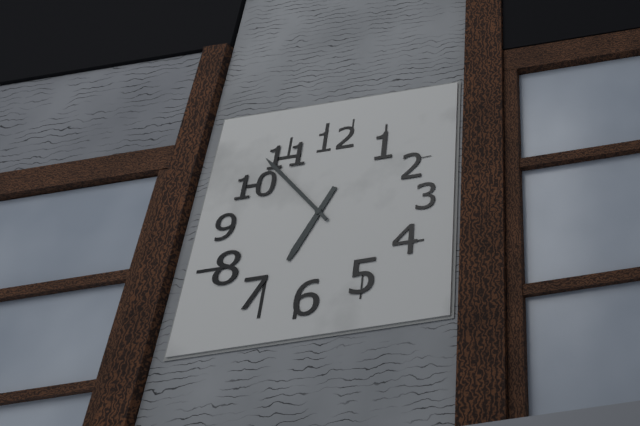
h=6 m=53
